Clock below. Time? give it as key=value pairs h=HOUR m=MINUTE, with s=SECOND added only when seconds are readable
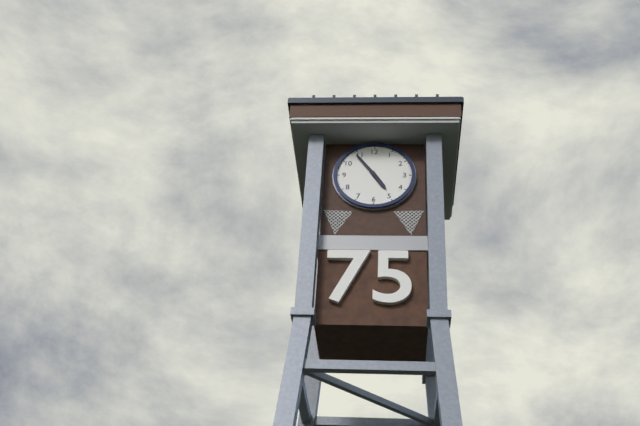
h=4 m=54
